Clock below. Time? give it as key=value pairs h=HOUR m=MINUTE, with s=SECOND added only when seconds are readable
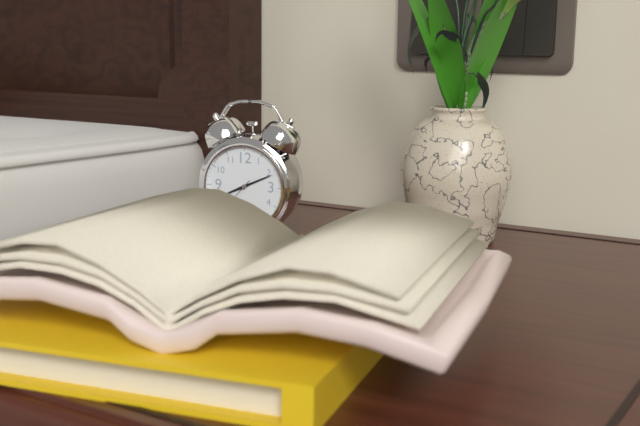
h=8 m=11
